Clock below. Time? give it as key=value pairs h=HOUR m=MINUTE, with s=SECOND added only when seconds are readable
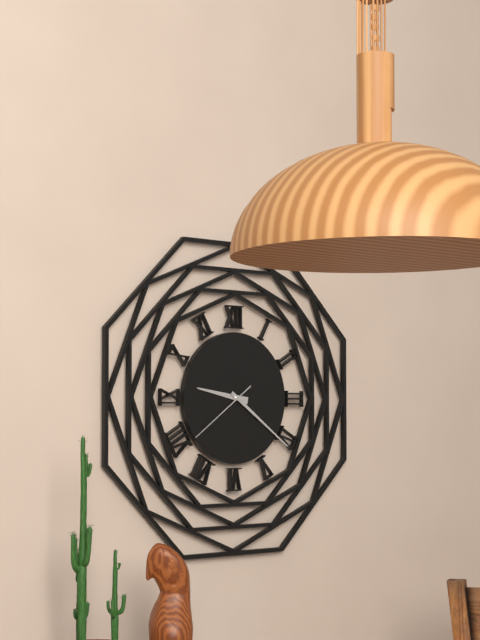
h=9 m=21 s=39
